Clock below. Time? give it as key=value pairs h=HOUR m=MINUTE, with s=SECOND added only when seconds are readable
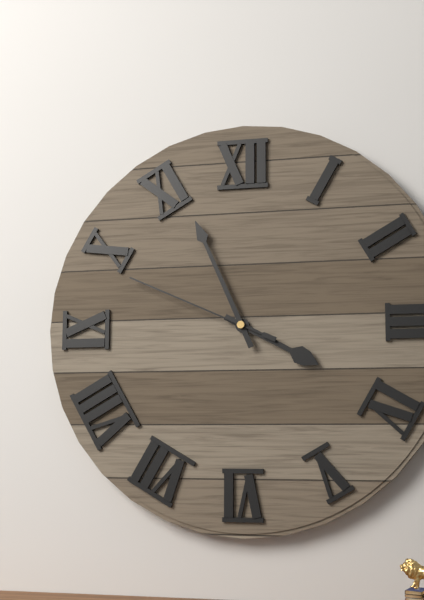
h=3 m=56 s=49
